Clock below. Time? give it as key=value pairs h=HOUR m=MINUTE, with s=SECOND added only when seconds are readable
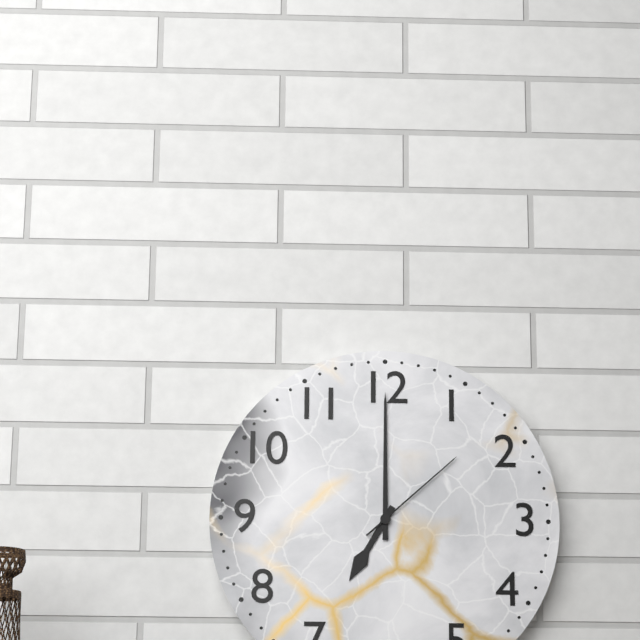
h=7 m=0 s=8
